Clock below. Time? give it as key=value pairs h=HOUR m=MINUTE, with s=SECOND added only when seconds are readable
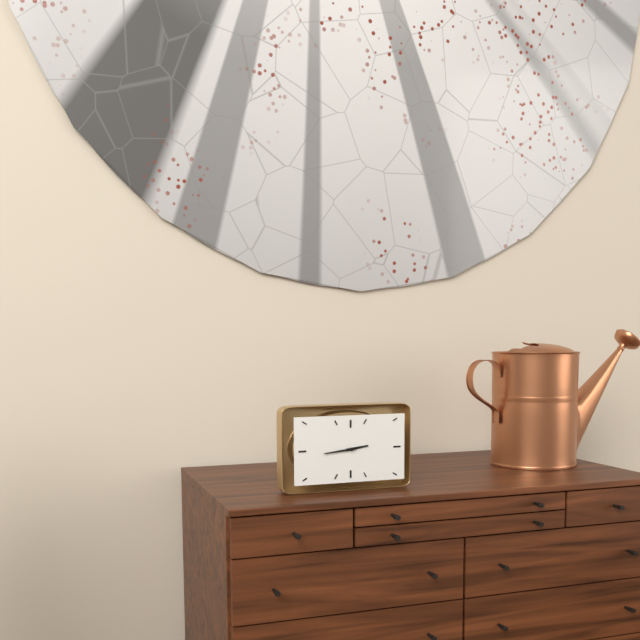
h=2 m=44
